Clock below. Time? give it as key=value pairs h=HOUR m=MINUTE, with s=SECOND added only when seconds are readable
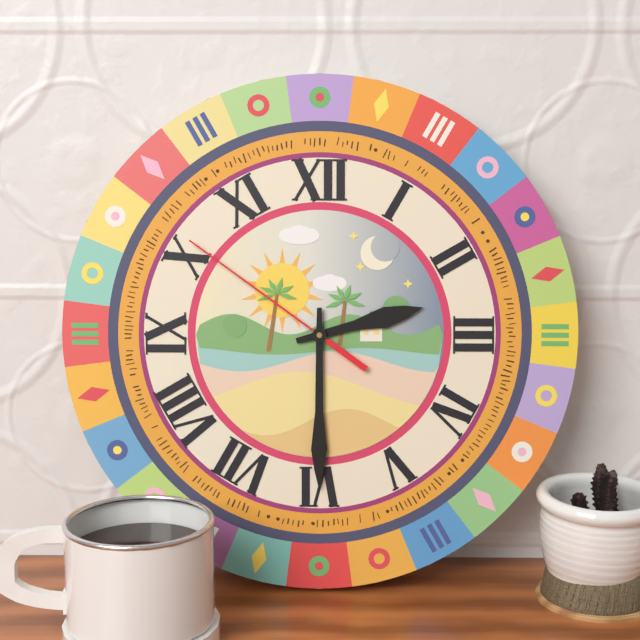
h=2 m=30 s=51
